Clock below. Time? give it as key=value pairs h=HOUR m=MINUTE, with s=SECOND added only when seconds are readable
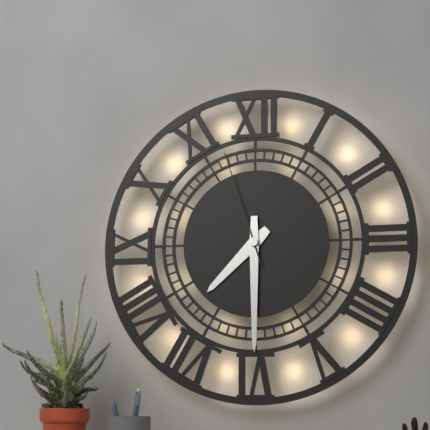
h=7 m=30 s=57
